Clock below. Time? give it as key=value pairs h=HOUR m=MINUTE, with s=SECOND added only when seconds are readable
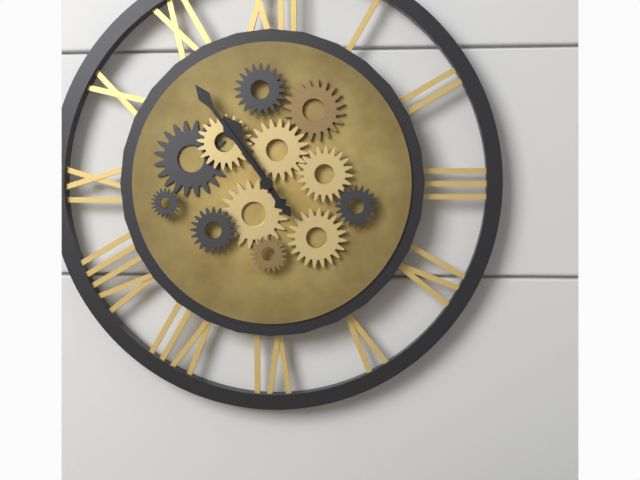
h=10 m=54
